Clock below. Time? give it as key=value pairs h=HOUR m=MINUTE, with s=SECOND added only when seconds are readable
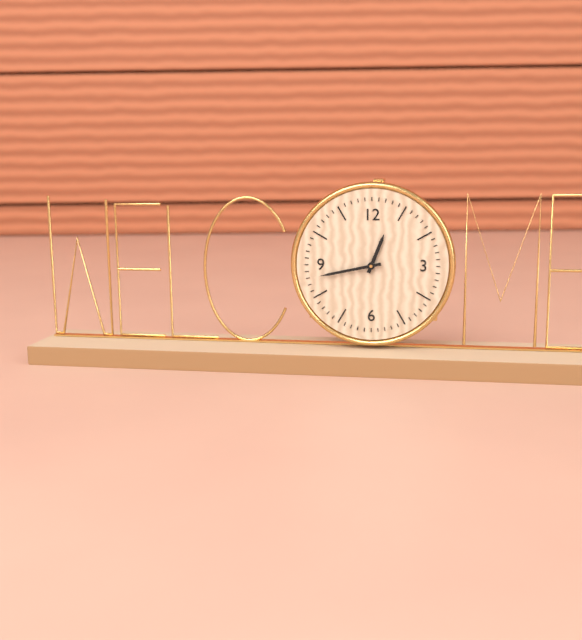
h=12 m=43
